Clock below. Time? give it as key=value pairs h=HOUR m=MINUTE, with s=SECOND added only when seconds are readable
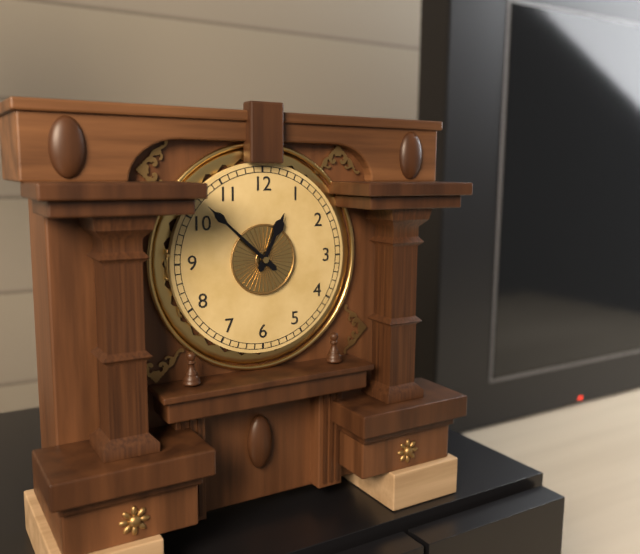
h=12 m=52
